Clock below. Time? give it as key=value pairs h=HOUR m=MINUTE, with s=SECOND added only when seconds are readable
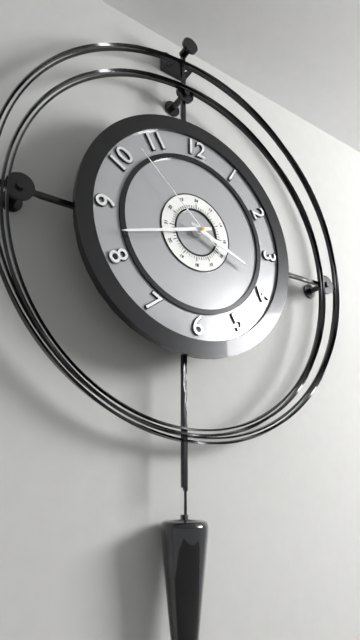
h=3 m=42 s=52
